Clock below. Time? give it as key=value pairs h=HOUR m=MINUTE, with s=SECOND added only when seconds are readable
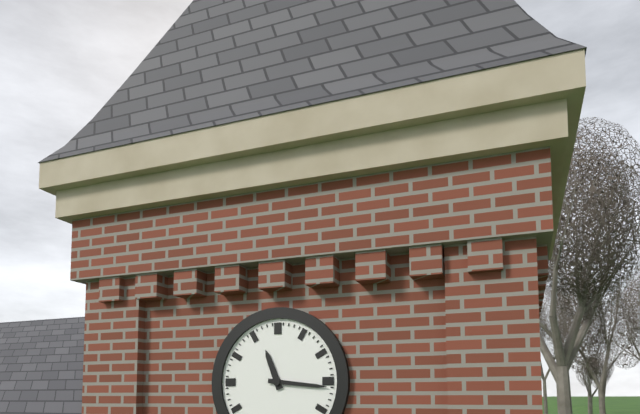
h=11 m=16
